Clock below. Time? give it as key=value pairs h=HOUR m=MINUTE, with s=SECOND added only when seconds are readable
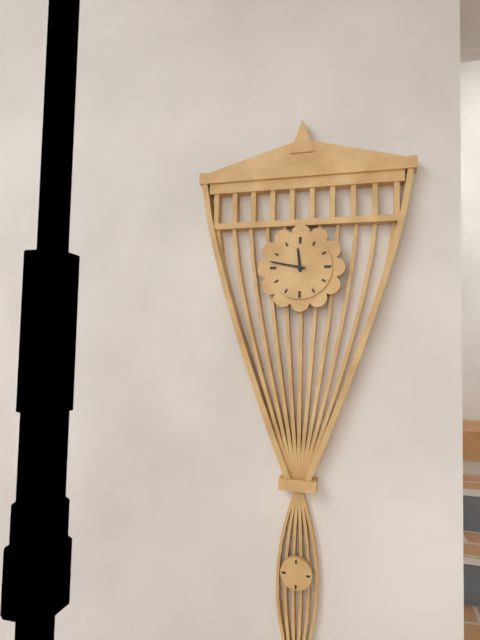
h=11 m=47
